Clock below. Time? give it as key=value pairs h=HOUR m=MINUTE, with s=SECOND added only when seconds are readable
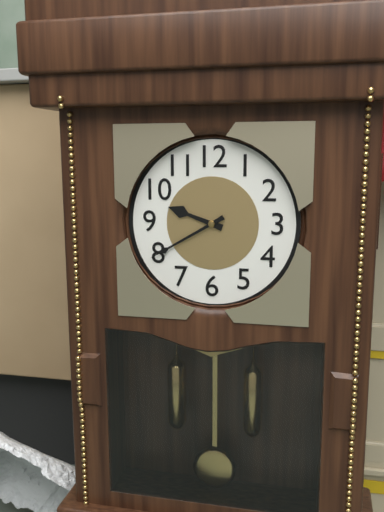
h=9 m=40
